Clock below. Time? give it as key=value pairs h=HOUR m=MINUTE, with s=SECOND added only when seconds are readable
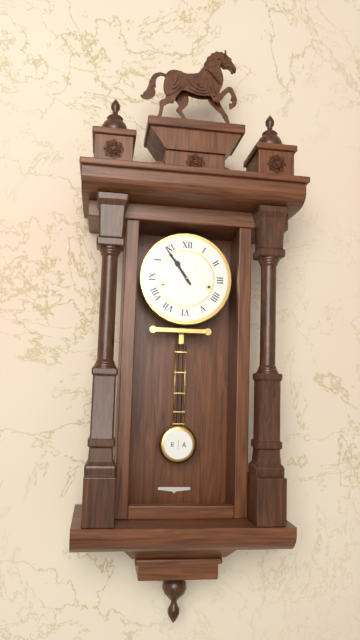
h=10 m=54
